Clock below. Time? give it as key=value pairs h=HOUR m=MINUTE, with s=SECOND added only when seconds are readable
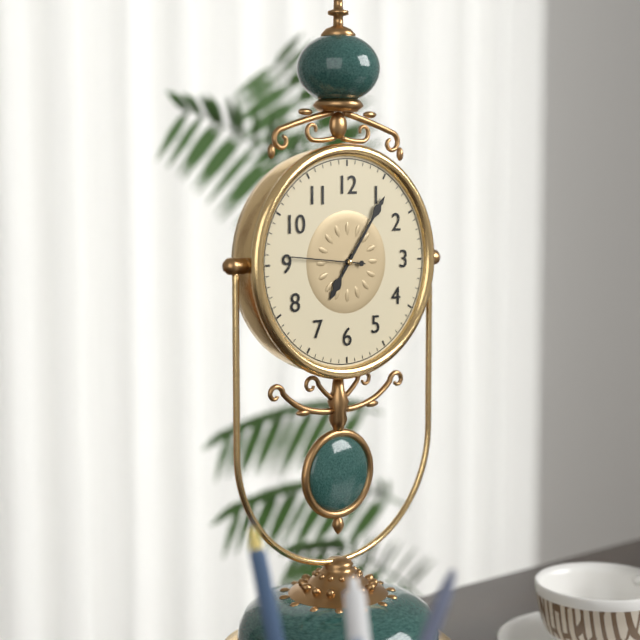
h=7 m=6 s=46
